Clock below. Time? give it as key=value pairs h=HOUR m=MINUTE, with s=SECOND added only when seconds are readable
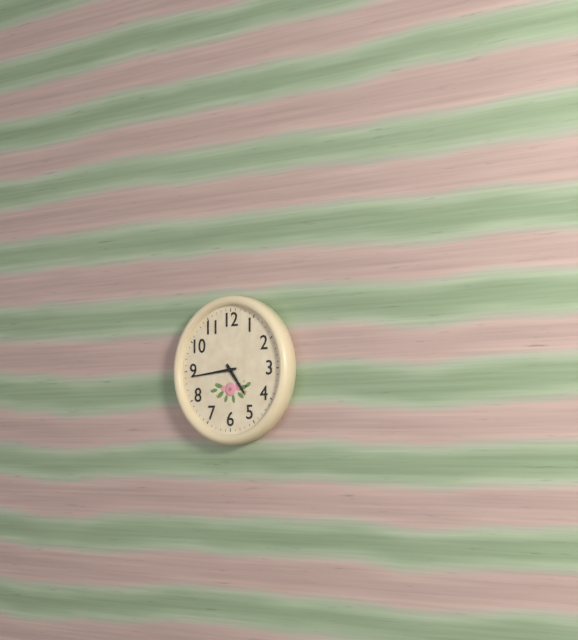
h=4 m=44
